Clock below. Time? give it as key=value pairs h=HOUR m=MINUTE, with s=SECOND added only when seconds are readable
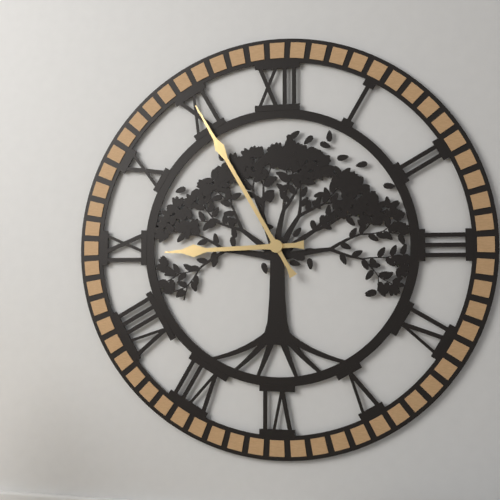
h=8 m=55
